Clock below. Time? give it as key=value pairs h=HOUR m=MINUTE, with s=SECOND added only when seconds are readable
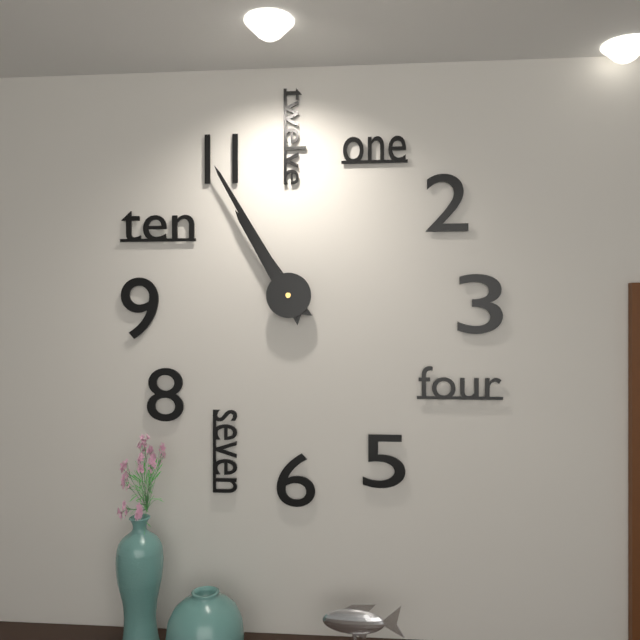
h=10 m=55
